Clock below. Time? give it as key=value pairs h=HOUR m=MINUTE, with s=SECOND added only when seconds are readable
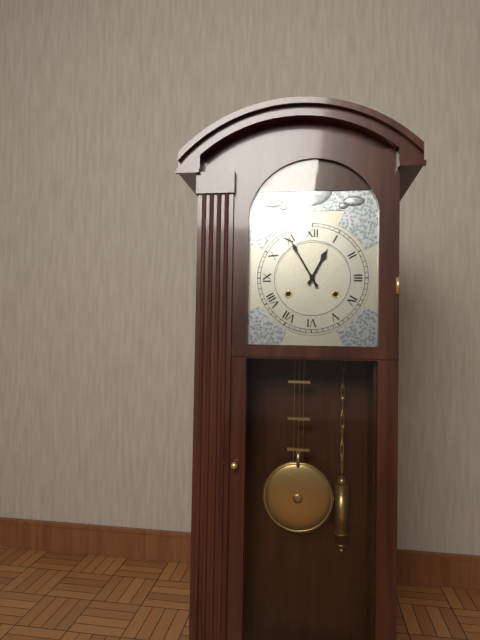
h=12 m=55
